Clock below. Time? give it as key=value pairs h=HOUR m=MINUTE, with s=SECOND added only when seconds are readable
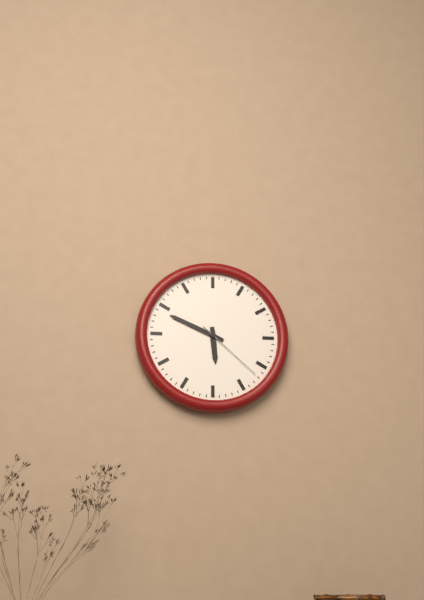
h=5 m=49 s=22
